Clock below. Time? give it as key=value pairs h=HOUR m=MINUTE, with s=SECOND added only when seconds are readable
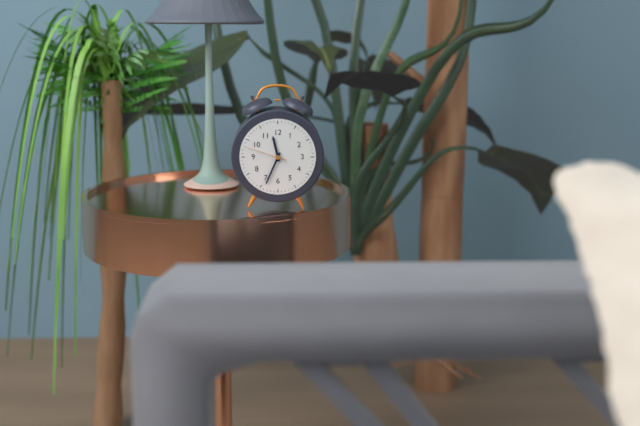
h=11 m=34
